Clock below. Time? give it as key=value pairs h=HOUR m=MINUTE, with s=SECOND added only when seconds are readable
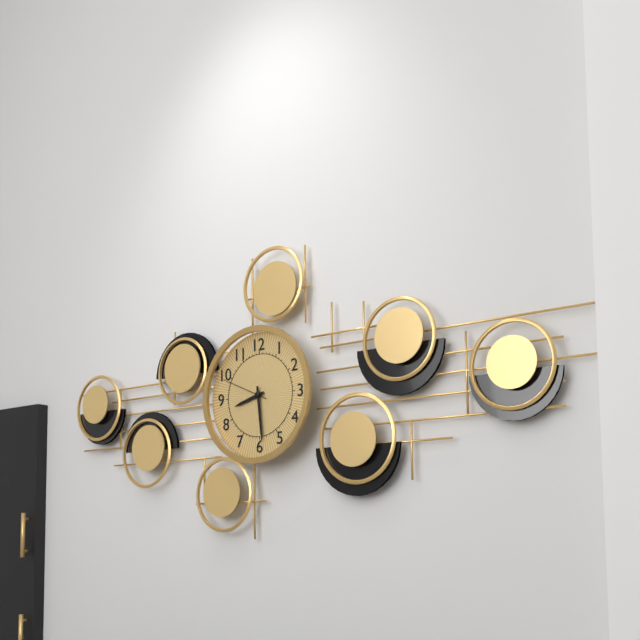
h=8 m=29
